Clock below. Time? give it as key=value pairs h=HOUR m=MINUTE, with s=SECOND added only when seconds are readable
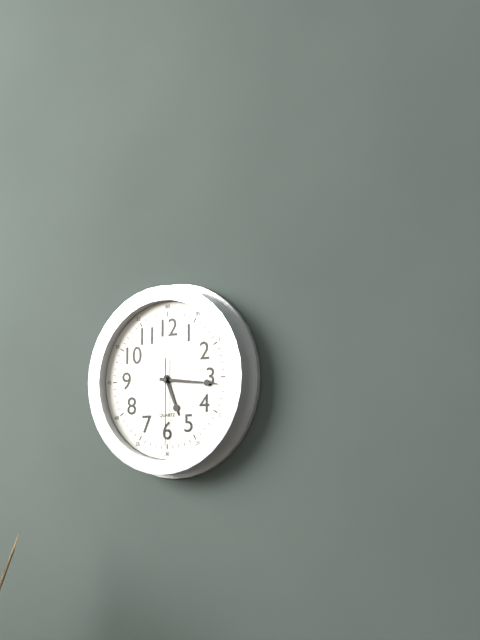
h=5 m=16 s=30
